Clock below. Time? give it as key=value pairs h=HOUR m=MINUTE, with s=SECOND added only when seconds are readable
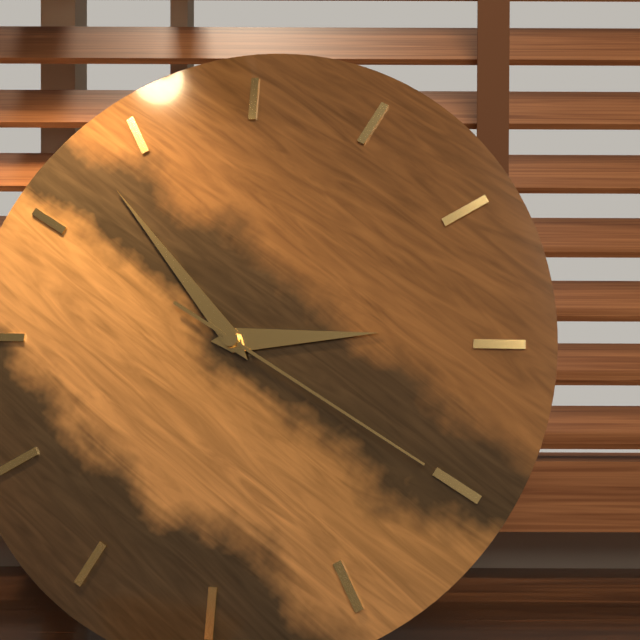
h=2 m=53 s=20
